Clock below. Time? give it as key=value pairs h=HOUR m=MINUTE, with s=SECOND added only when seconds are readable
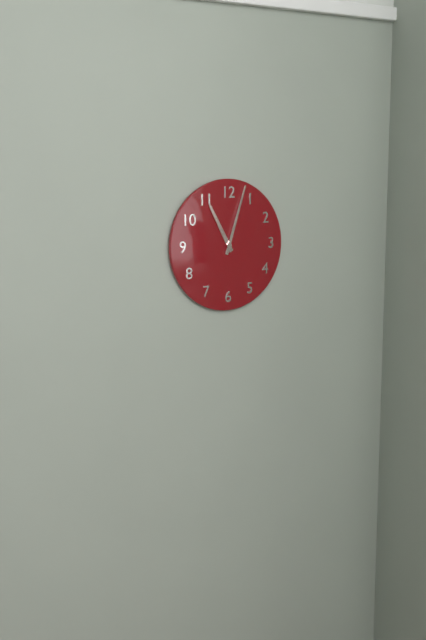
h=11 m=3
